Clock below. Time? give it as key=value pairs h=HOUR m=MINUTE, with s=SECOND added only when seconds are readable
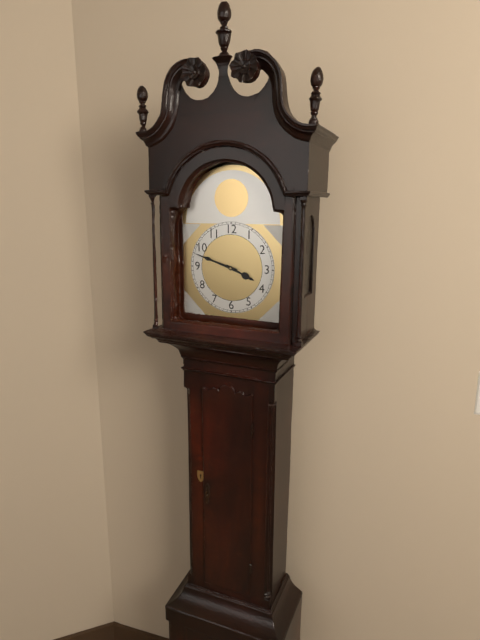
h=3 m=48
